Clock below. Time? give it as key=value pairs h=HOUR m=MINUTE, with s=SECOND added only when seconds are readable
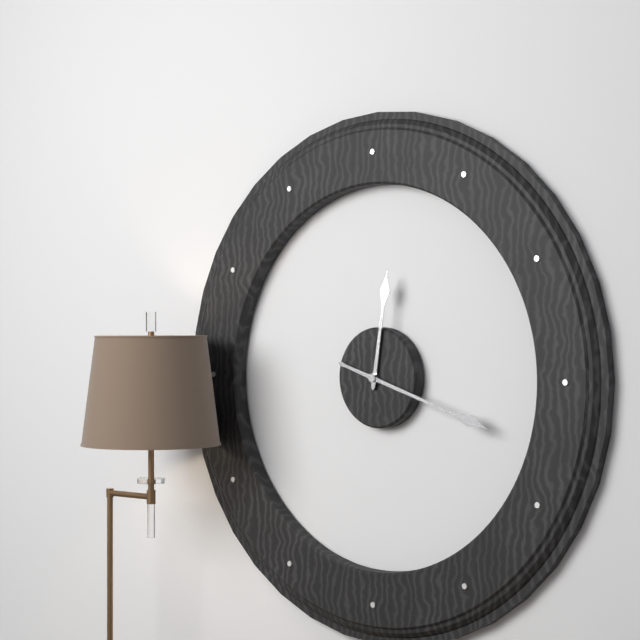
h=12 m=18
